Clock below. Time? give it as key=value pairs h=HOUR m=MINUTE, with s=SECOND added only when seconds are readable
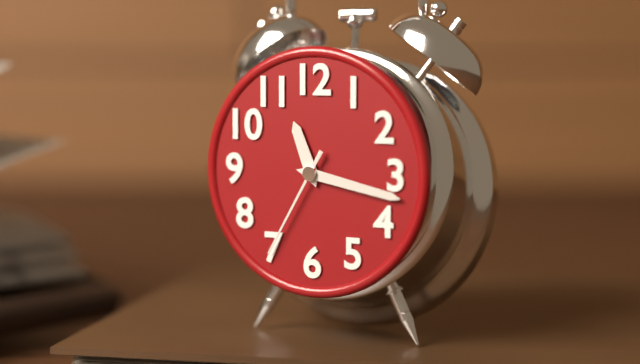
h=11 m=17 s=35
